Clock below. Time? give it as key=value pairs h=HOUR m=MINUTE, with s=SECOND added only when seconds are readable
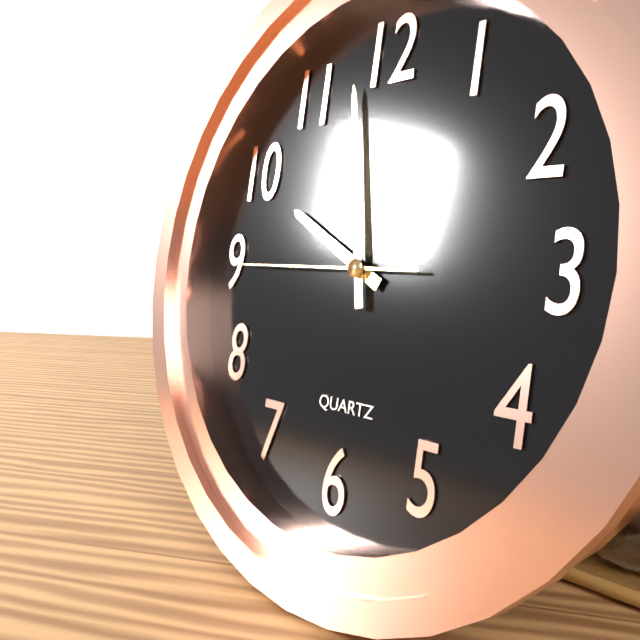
h=9 m=58 s=45
